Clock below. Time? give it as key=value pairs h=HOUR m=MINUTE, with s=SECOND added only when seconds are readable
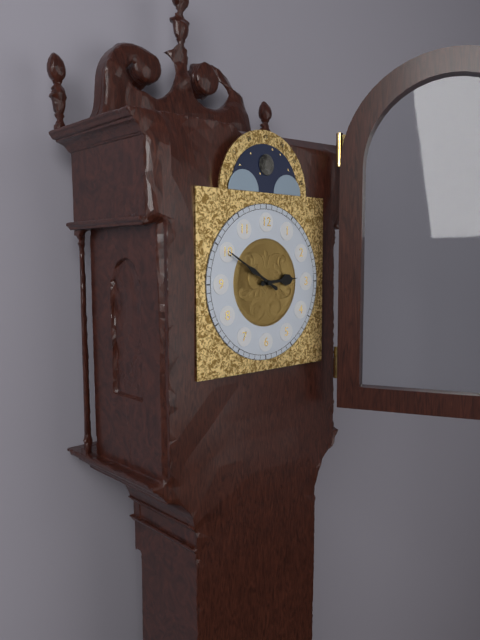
h=2 m=50
